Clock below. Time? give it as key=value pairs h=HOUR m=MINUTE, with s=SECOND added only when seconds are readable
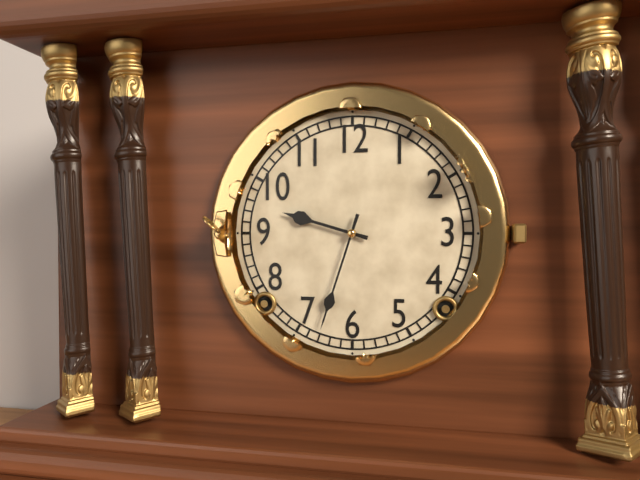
h=9 m=33
